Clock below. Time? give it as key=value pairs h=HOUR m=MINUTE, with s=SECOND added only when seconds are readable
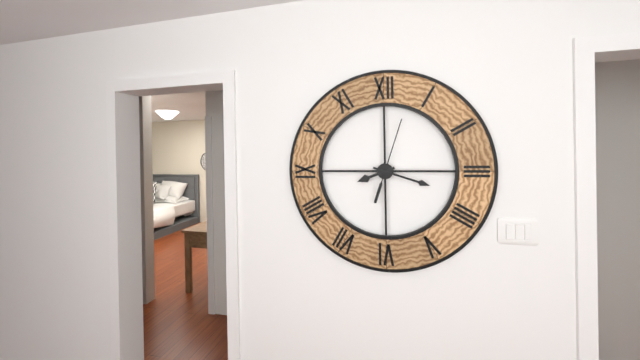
h=8 m=18 s=3
